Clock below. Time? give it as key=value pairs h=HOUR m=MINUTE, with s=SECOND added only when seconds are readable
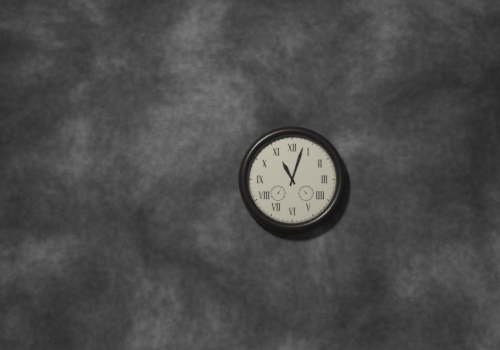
h=11 m=3
